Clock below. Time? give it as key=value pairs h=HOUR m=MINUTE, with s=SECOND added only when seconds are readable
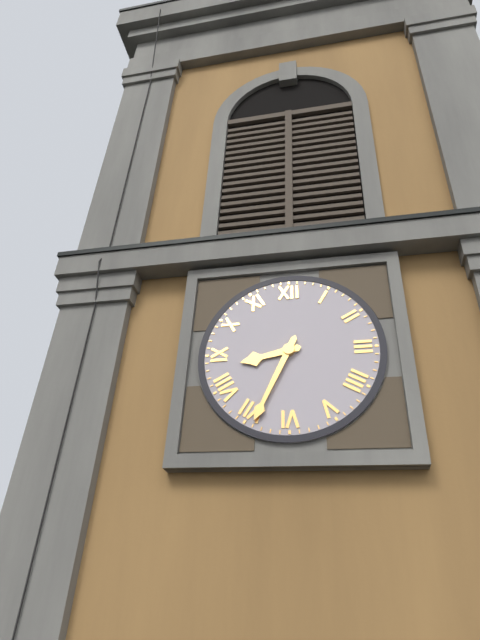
h=8 m=34
